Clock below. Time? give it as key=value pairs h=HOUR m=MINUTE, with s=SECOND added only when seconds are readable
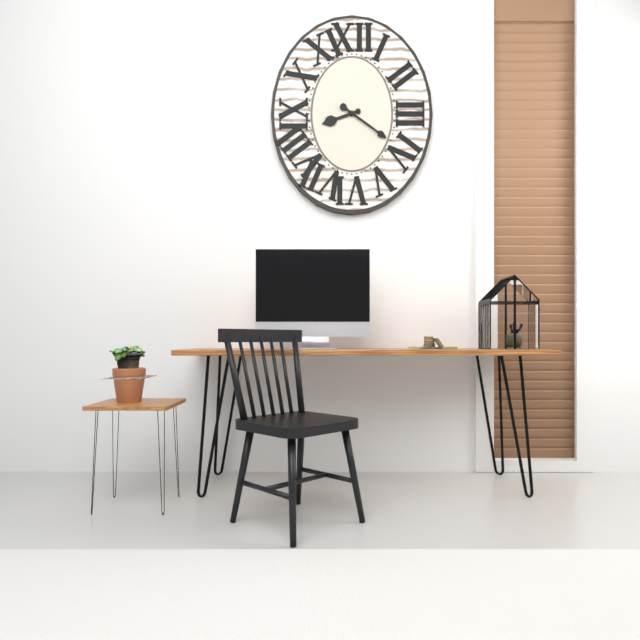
h=8 m=21
